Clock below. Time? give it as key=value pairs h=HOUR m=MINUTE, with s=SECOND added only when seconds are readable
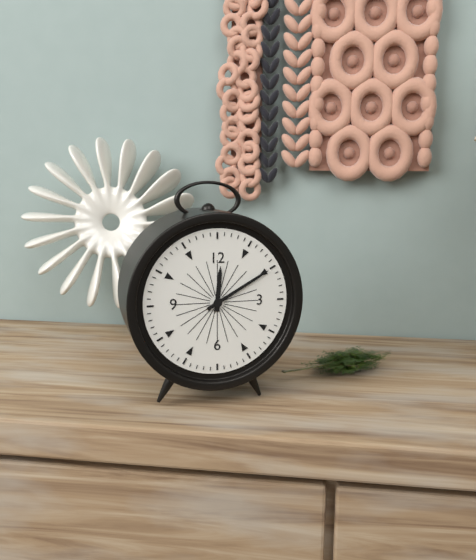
h=12 m=10
